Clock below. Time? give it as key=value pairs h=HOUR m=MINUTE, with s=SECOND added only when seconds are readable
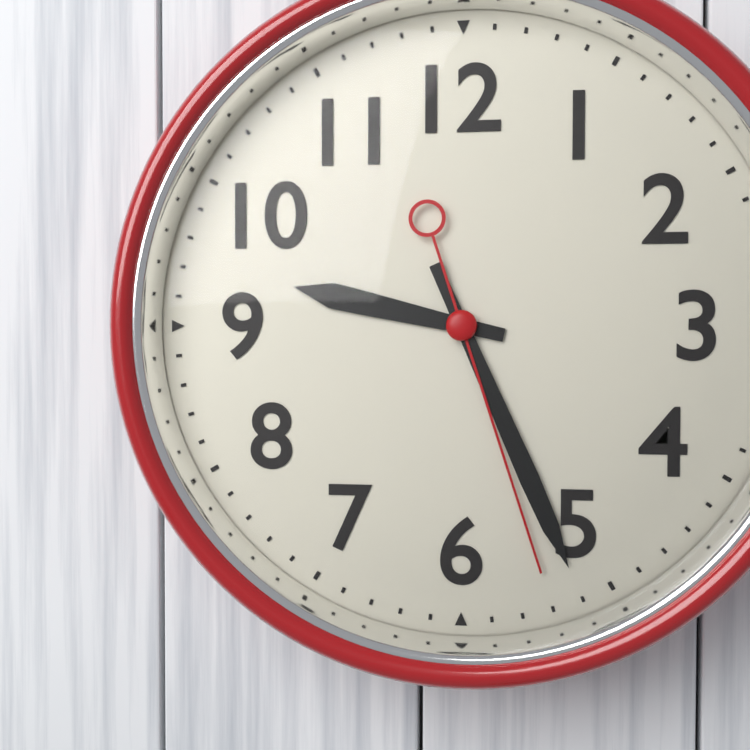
h=9 m=26 s=27
